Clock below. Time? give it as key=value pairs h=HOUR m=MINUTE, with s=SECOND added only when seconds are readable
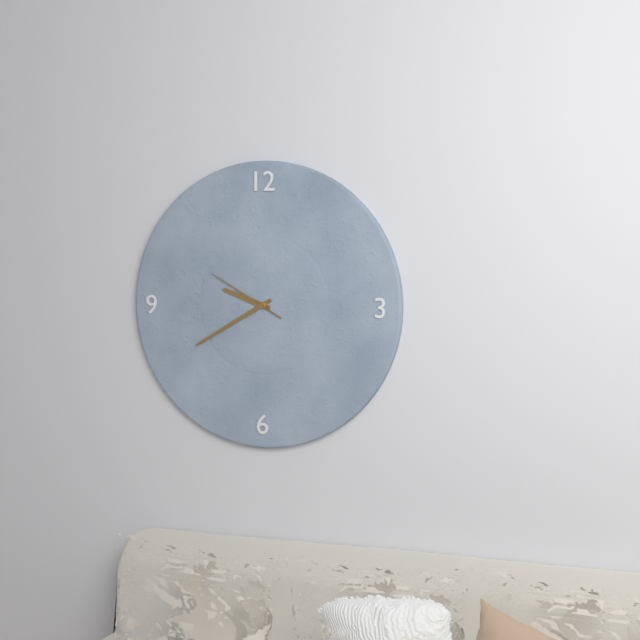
h=9 m=40 s=50
